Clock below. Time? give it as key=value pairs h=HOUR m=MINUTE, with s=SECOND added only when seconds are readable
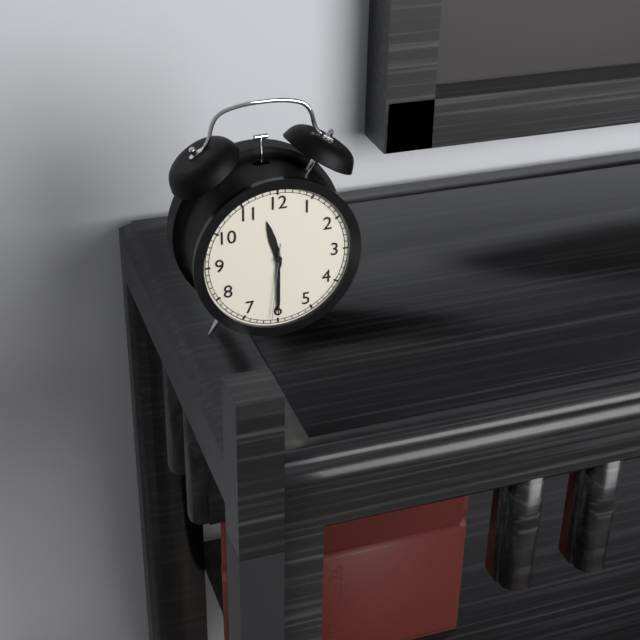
h=11 m=30 s=31
